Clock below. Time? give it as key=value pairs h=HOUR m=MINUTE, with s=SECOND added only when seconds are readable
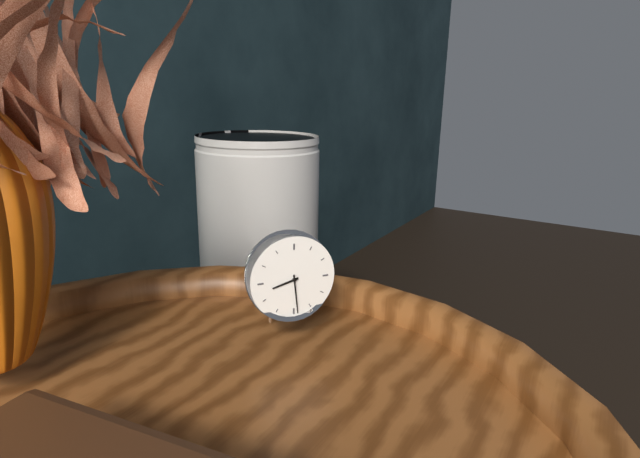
h=8 m=29
